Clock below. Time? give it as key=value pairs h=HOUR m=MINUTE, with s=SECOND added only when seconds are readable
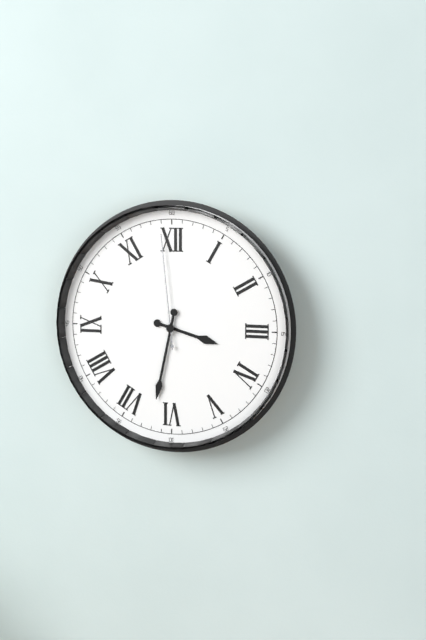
h=3 m=32 s=59
